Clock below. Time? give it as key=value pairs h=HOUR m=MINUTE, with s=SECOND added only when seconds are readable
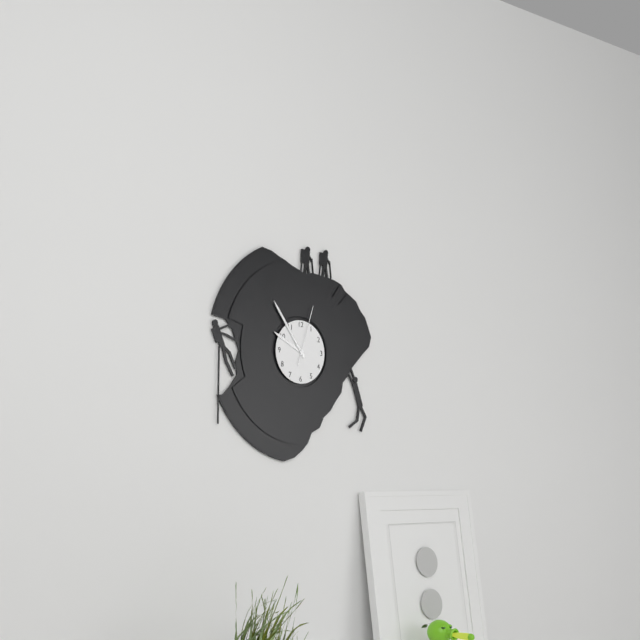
h=9 m=54 s=3
